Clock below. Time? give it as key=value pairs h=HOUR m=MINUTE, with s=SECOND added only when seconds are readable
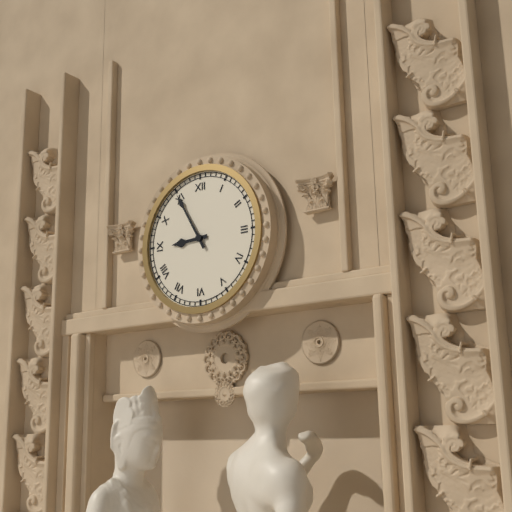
h=8 m=55
